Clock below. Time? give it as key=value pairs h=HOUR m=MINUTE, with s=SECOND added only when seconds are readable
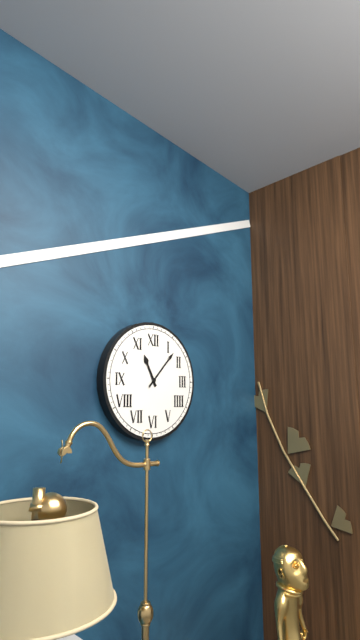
h=11 m=7
